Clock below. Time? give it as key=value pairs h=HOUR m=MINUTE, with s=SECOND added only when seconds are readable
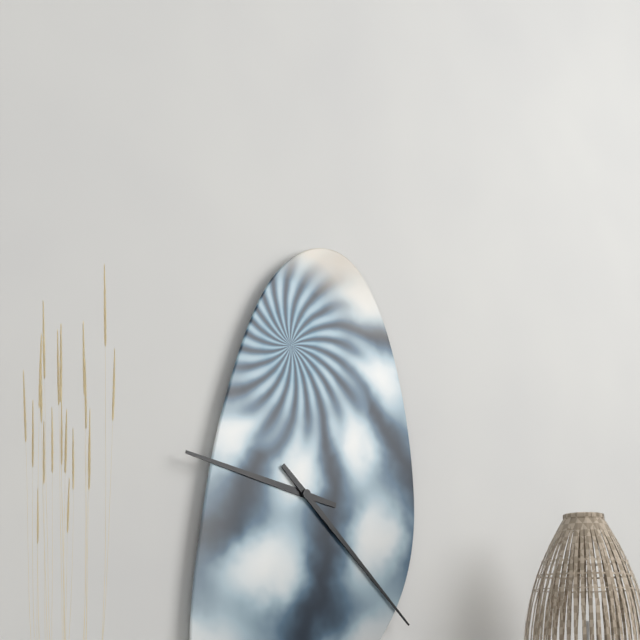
h=9 m=22
